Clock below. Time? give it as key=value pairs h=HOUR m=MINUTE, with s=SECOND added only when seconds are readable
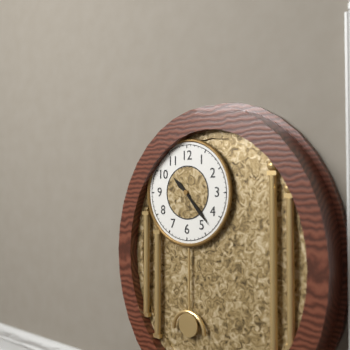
h=10 m=23
